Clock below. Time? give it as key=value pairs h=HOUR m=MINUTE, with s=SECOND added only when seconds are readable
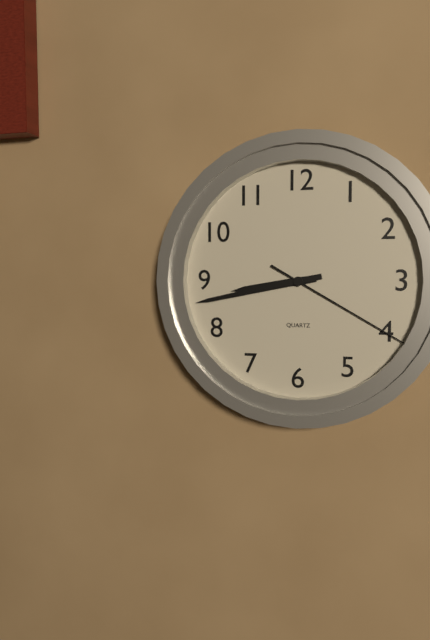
h=8 m=43 s=20
